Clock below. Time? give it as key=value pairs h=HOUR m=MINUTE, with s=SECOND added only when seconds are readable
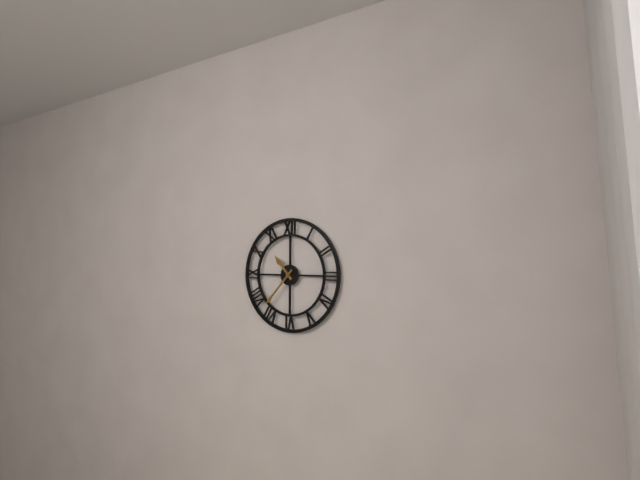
h=10 m=37
